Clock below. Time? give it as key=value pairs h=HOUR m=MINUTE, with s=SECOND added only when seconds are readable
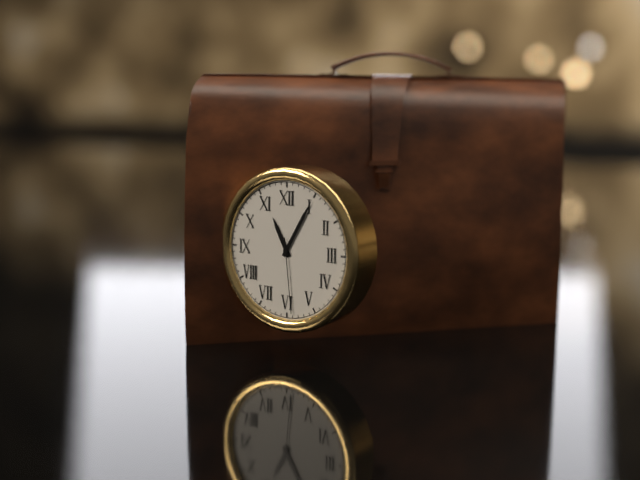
h=11 m=5 s=29
